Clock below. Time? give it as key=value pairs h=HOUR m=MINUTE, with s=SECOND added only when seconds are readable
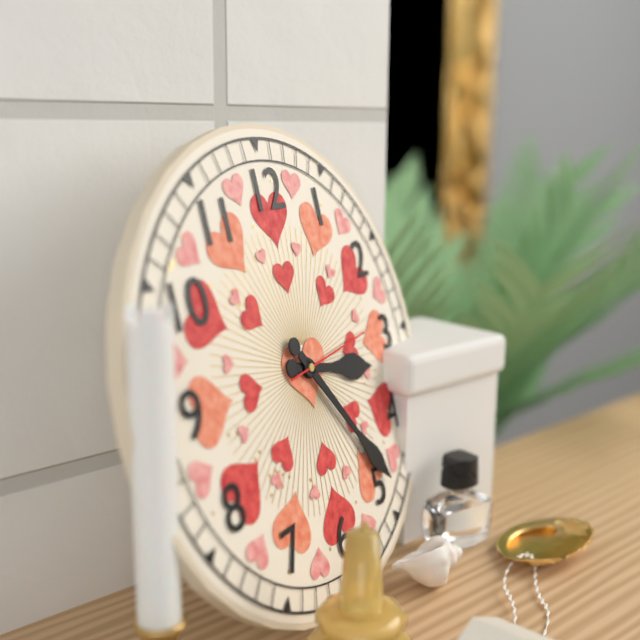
h=3 m=24 s=14
